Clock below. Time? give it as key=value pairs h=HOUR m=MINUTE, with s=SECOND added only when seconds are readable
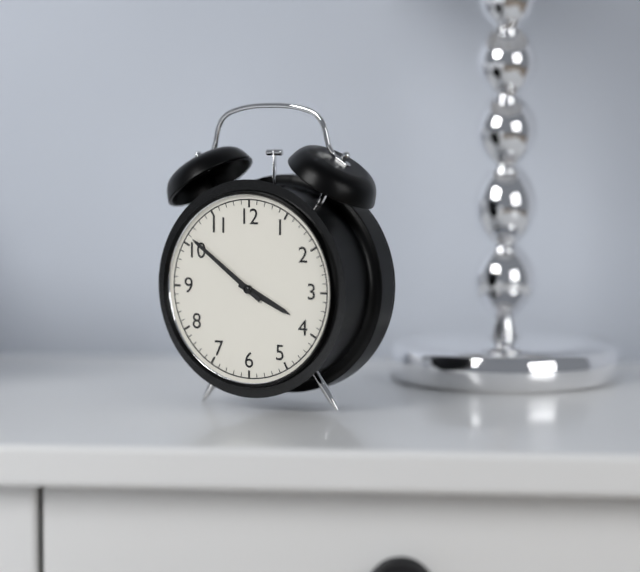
h=3 m=51
